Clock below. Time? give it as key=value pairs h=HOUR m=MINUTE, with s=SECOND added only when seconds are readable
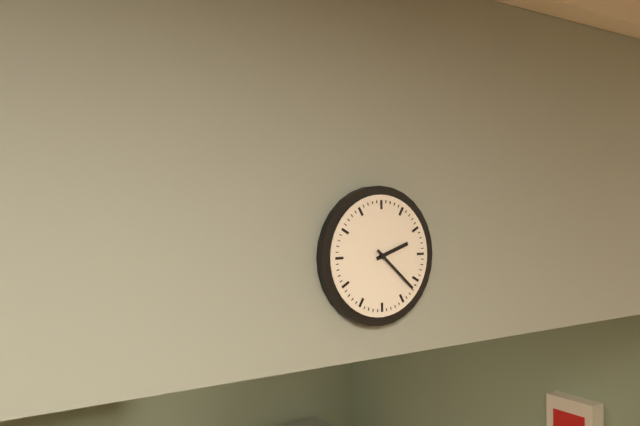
h=2 m=22
